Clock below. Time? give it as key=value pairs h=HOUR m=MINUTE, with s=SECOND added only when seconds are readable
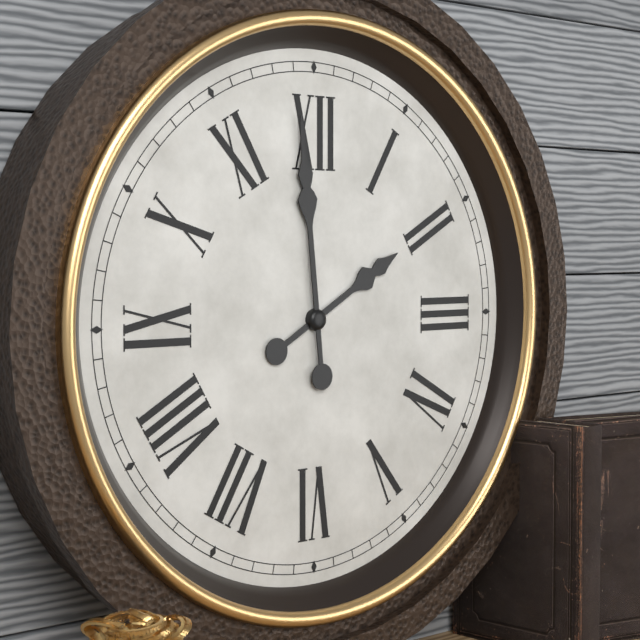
h=1 m=59
